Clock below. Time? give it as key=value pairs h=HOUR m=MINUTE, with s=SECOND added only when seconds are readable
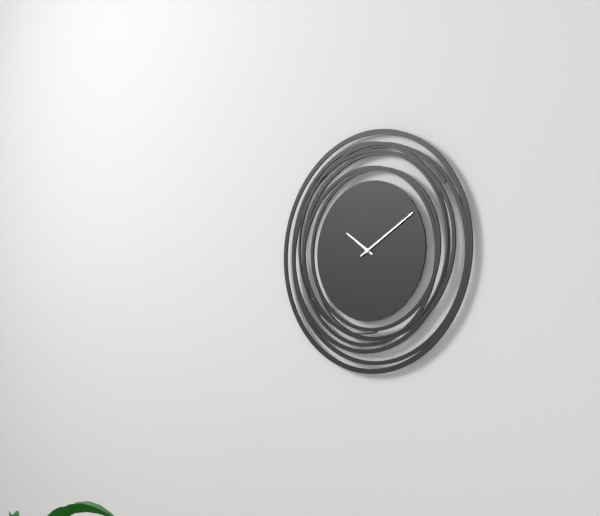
h=10 m=10
